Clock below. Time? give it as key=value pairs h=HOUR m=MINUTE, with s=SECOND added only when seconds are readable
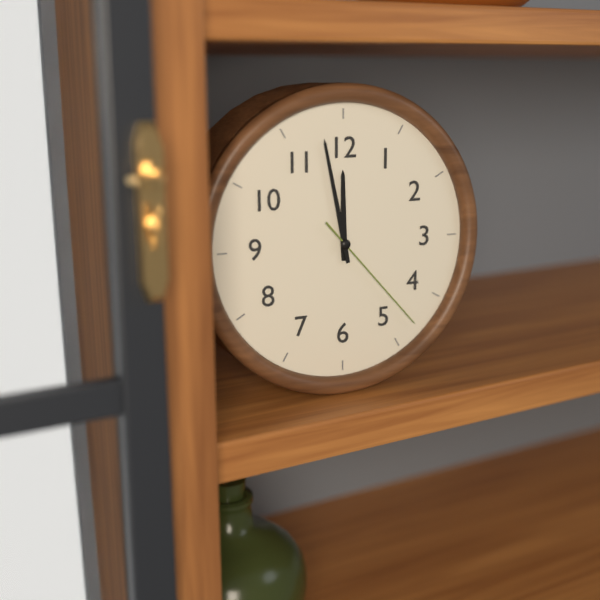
h=11 m=58 s=23
